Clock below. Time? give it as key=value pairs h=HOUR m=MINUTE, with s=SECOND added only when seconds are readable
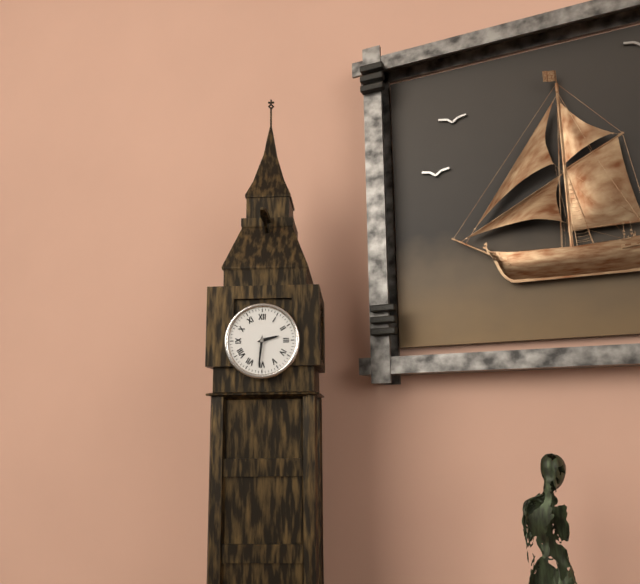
h=2 m=31
